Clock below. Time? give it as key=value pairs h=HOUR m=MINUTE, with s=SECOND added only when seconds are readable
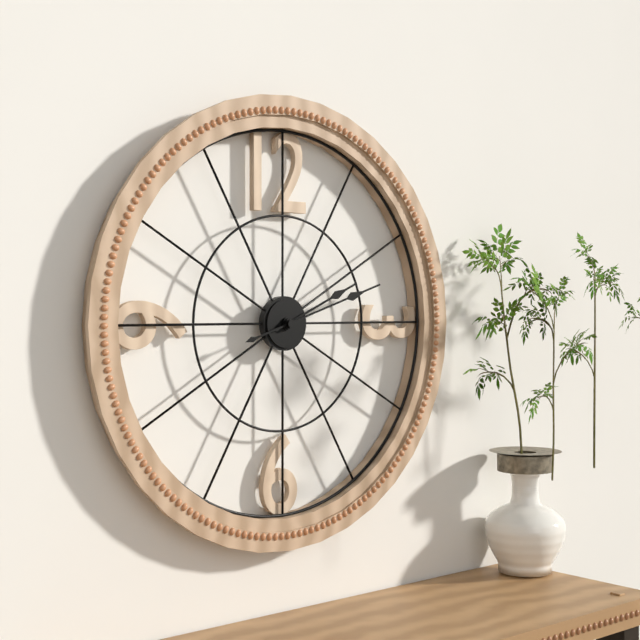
h=2 m=12
